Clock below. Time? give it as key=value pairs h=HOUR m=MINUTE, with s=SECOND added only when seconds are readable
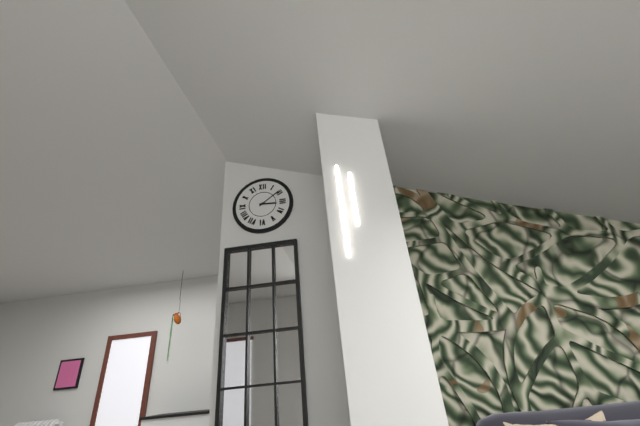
h=3 m=9
